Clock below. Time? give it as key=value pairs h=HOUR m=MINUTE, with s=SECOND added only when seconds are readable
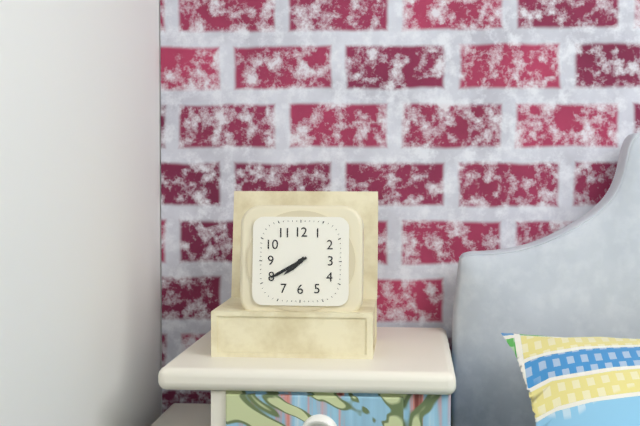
h=7 m=40
